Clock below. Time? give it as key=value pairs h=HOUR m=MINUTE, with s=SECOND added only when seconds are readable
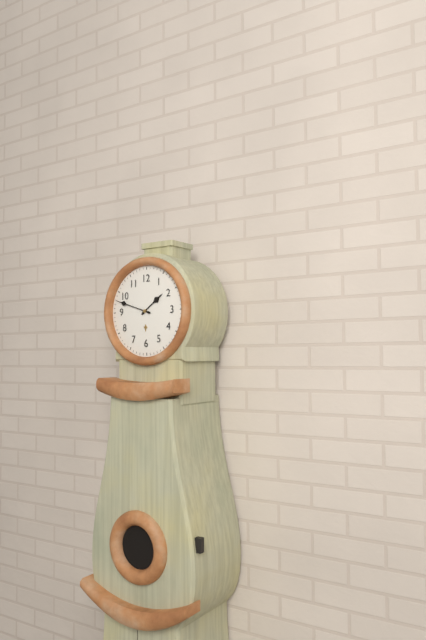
h=1 m=48
